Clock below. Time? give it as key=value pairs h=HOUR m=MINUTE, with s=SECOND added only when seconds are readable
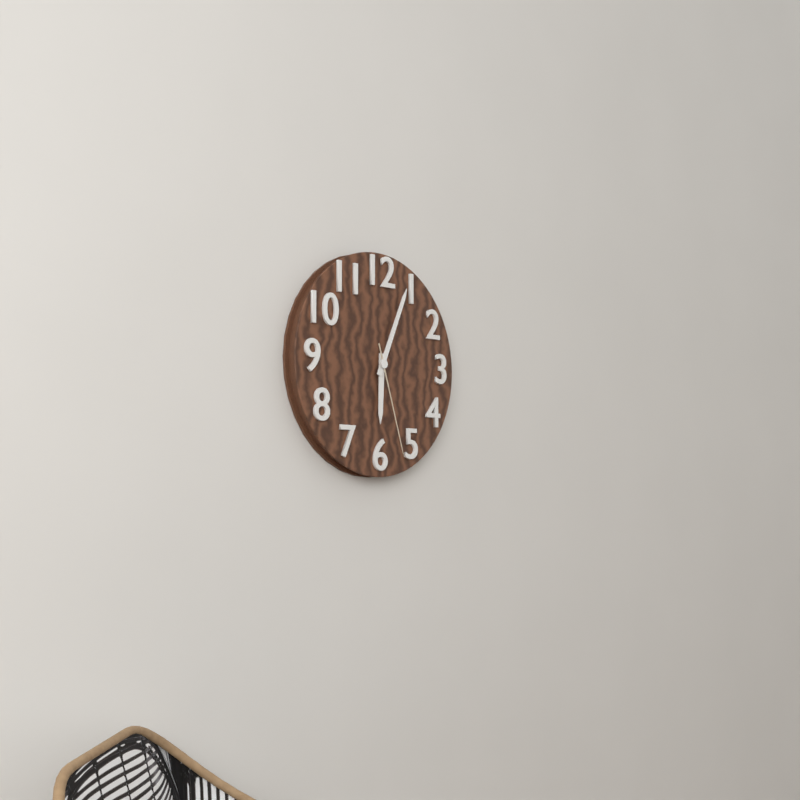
h=6 m=4 s=27
